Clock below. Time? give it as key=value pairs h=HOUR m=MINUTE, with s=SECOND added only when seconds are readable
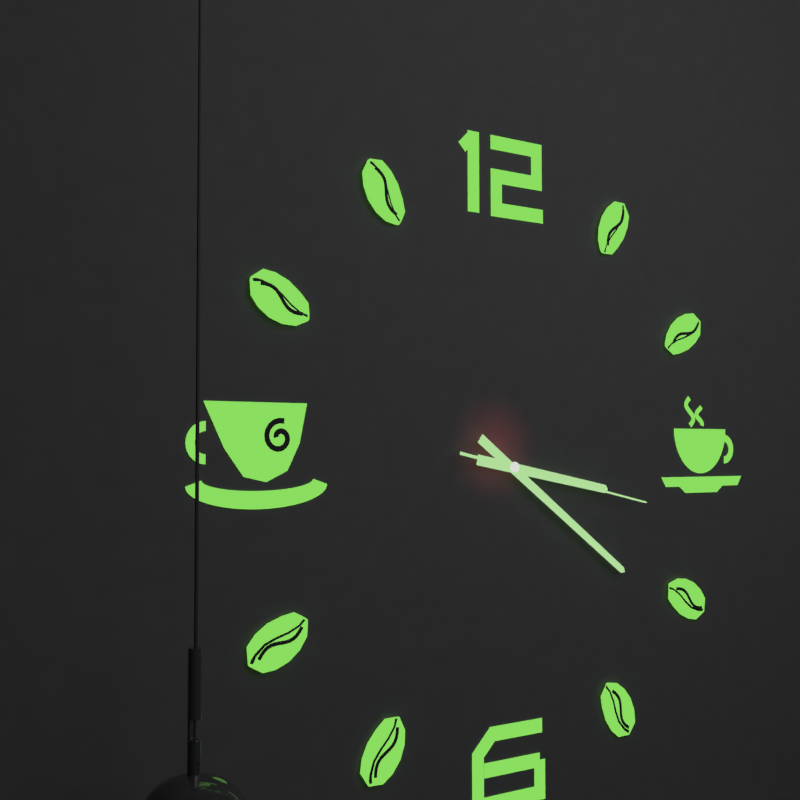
h=3 m=21 s=17
